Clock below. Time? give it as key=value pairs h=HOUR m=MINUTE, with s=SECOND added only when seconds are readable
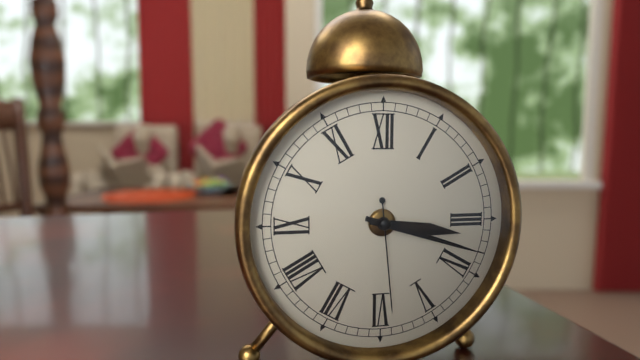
h=3 m=18 s=29
